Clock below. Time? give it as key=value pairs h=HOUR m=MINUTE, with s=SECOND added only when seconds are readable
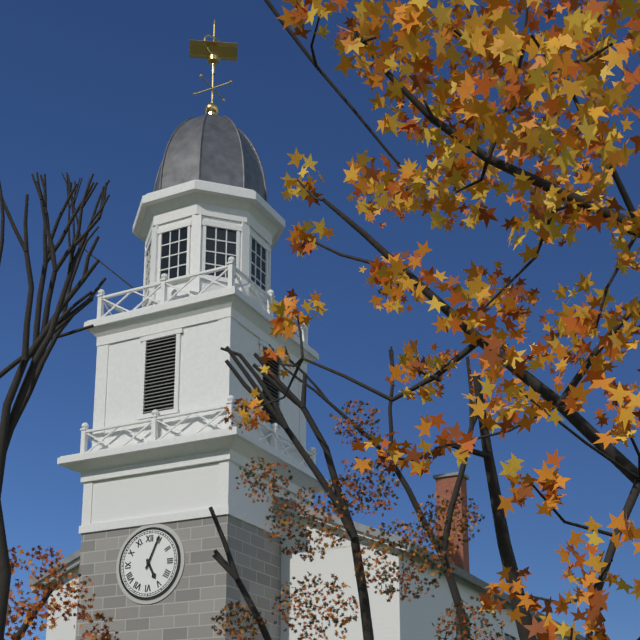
h=5 m=4
